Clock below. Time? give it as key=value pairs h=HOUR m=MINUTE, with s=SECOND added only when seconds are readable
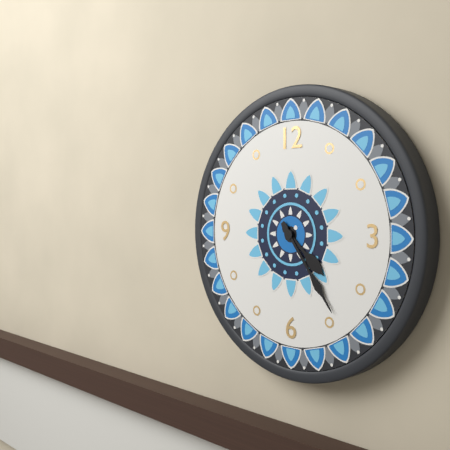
h=4 m=24
